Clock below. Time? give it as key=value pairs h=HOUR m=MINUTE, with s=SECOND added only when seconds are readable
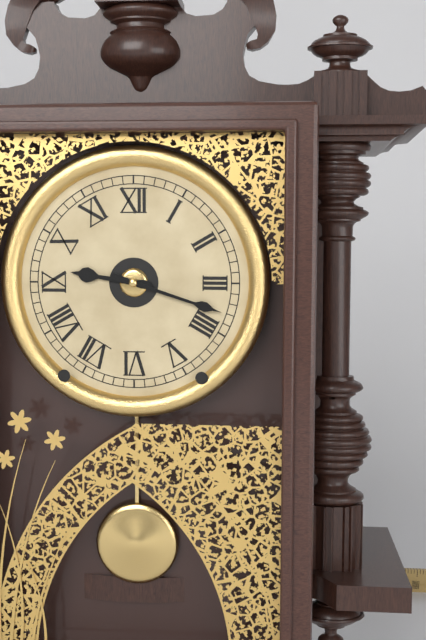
h=9 m=18
